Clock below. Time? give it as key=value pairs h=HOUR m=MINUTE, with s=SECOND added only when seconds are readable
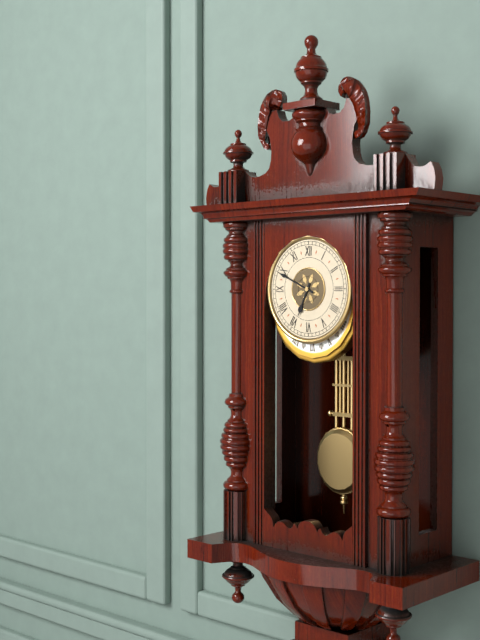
h=6 m=49
